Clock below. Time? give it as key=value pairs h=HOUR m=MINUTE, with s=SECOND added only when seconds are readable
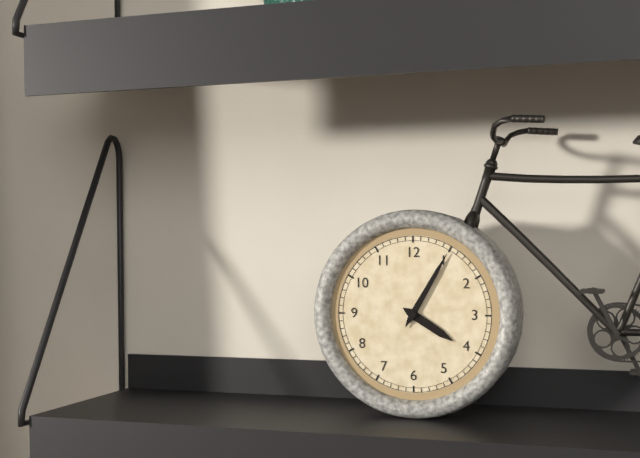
h=4 m=5
